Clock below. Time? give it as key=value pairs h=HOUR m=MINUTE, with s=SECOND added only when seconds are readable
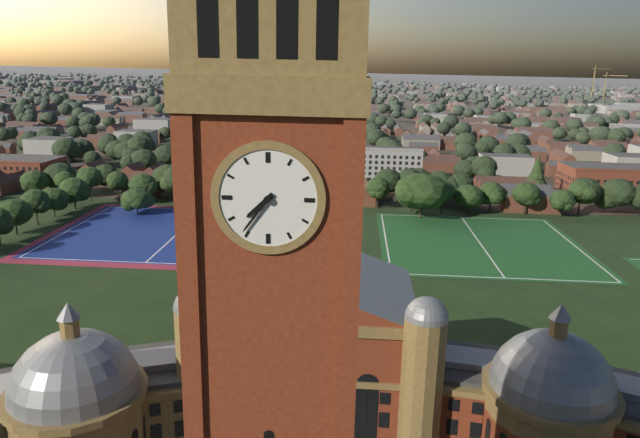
h=7 m=36
